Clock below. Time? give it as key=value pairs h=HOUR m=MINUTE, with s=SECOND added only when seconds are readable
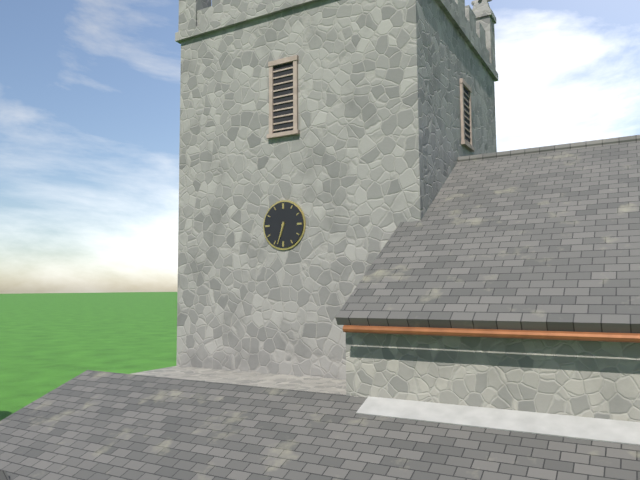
h=6 m=33
